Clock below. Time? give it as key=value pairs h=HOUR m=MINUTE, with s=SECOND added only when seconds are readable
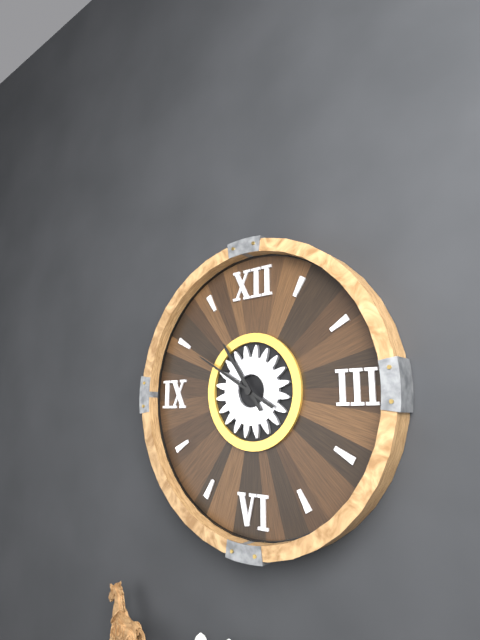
h=10 m=50
